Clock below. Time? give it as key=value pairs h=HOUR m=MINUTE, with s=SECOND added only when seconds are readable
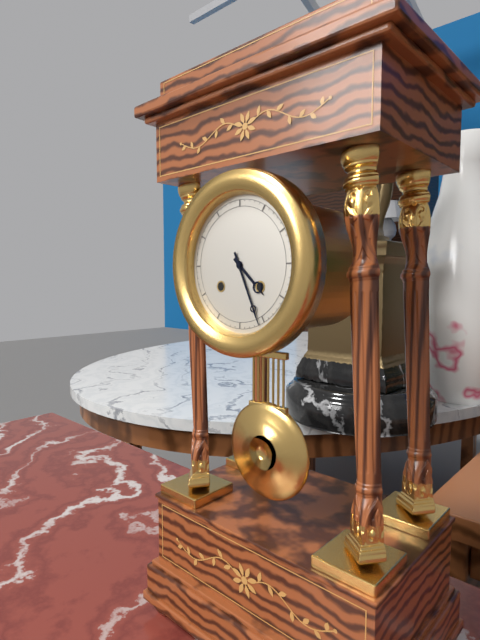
h=4 m=26
